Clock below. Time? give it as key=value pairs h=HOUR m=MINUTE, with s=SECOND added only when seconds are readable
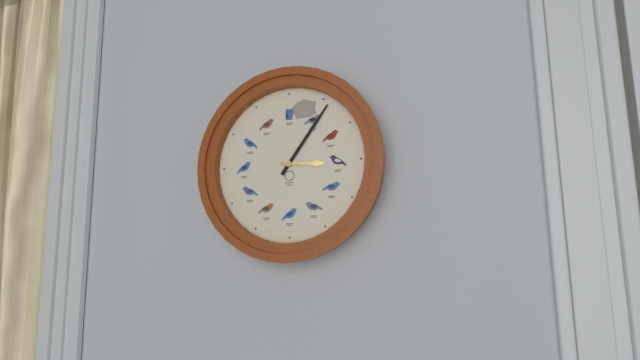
h=3 m=6
